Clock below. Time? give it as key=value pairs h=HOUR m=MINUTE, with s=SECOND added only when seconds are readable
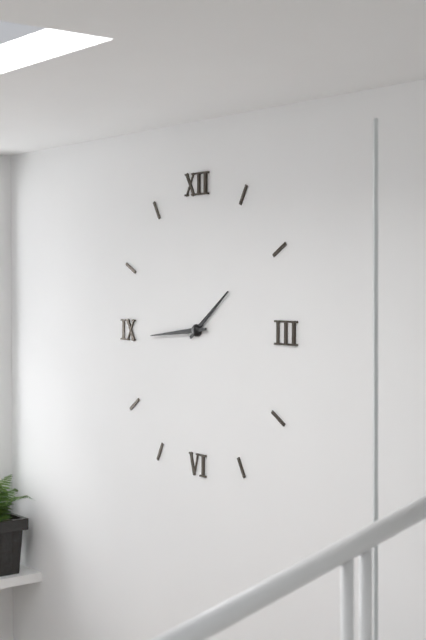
h=1 m=44
